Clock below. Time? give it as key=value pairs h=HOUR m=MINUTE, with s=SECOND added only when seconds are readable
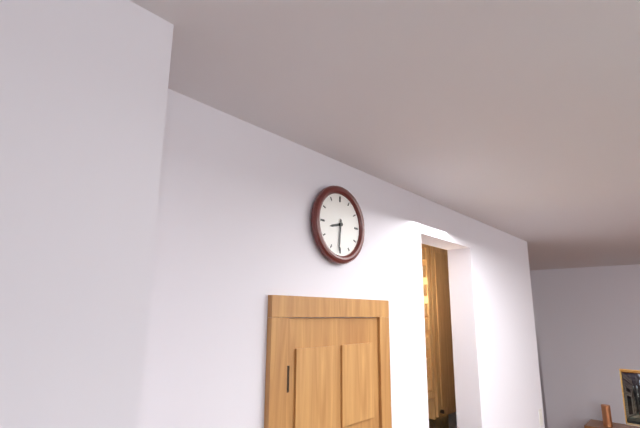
h=8 m=31
